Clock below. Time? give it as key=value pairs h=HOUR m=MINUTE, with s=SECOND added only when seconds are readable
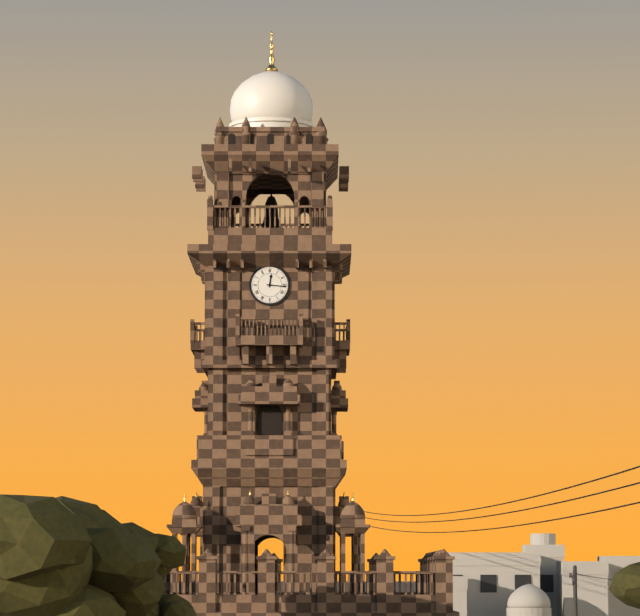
h=12 m=16
